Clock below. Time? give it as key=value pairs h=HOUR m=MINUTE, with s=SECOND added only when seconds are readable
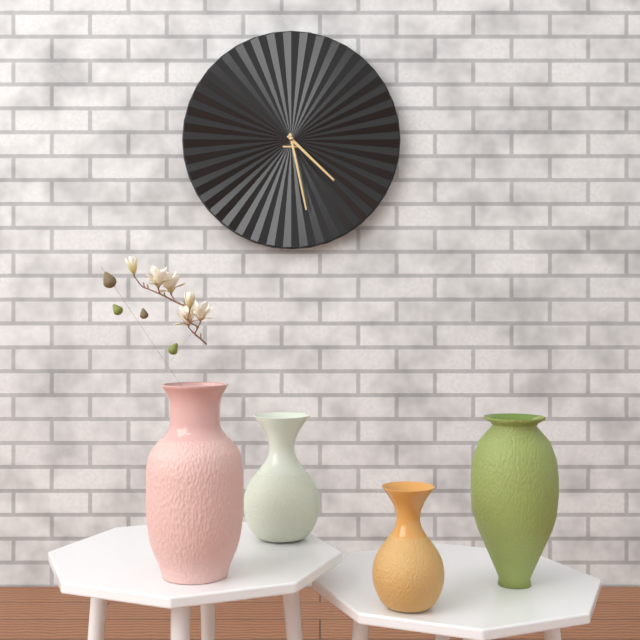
h=4 m=28
